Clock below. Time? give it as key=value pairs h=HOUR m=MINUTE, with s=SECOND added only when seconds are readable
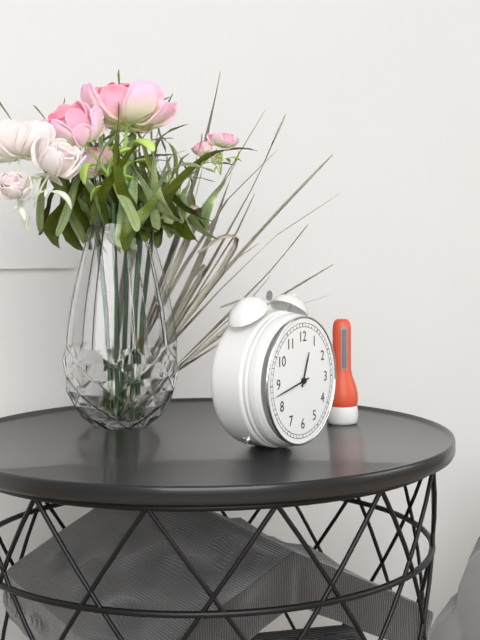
h=12 m=43
